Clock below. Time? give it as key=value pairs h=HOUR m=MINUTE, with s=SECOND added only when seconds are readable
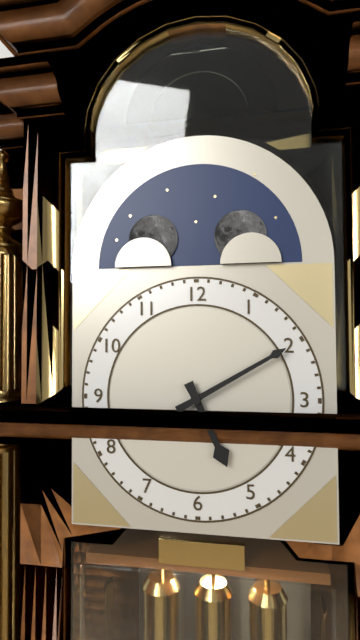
h=5 m=10
